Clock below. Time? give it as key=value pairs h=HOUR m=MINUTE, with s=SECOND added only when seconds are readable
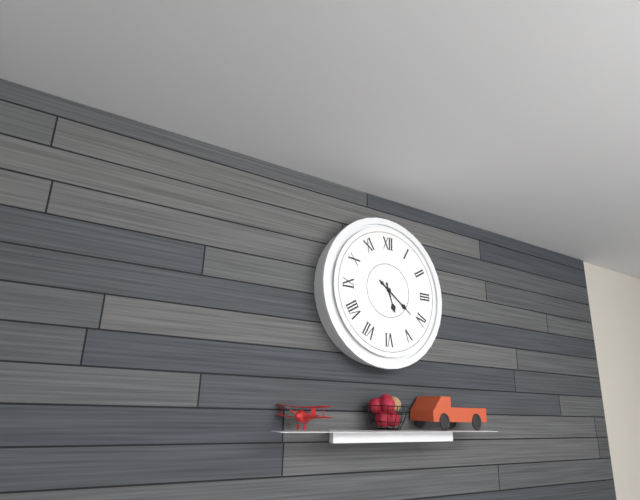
h=5 m=21
